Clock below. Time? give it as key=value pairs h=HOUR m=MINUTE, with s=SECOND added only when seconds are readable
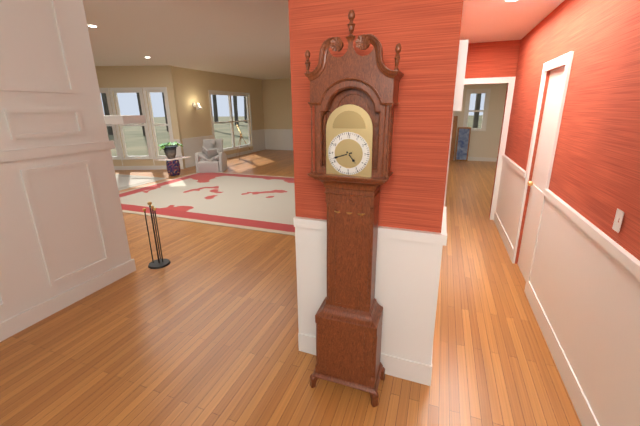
h=4 m=42
